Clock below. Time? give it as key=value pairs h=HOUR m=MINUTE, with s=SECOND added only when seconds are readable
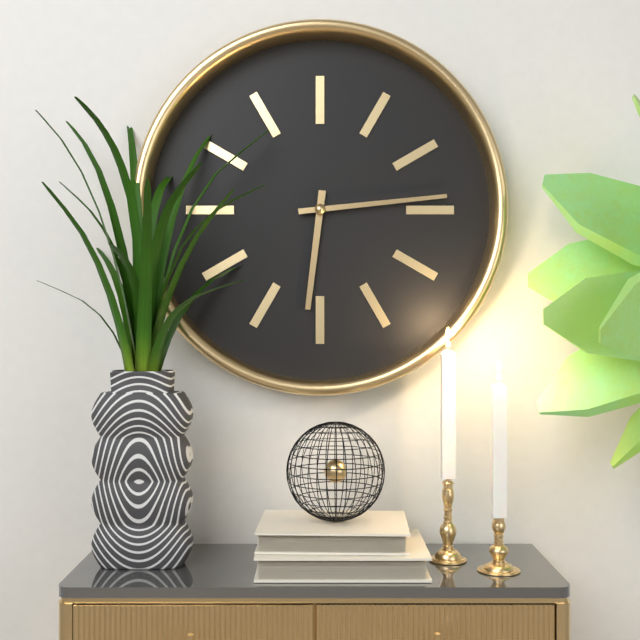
h=6 m=14
